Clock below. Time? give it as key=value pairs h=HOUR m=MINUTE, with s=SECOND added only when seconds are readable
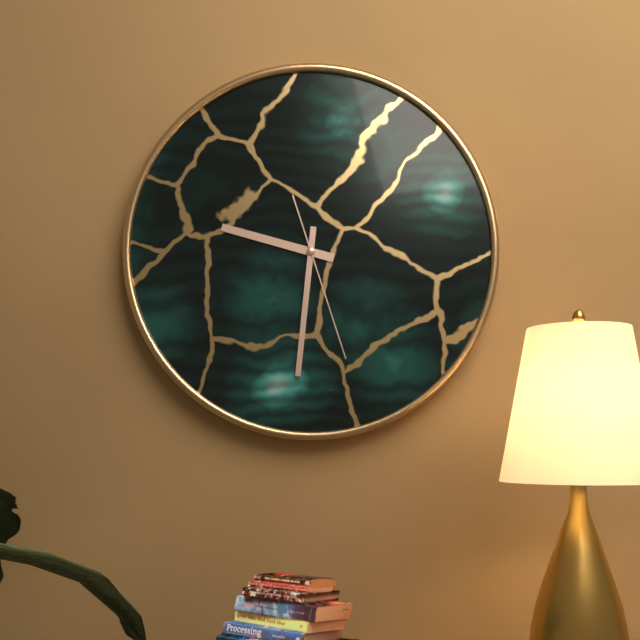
h=9 m=31 s=27
